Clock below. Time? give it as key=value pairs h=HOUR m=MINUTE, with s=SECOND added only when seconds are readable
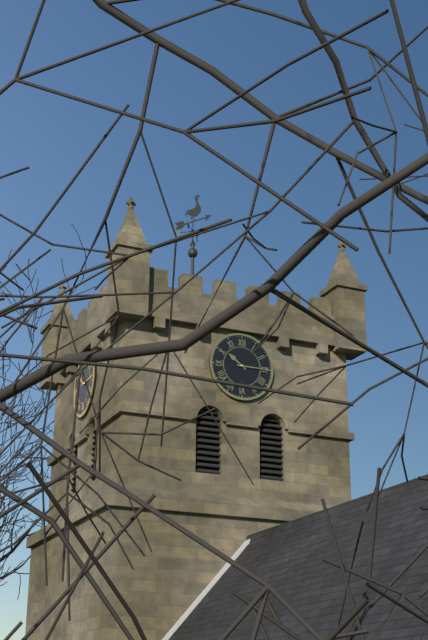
h=10 m=15
